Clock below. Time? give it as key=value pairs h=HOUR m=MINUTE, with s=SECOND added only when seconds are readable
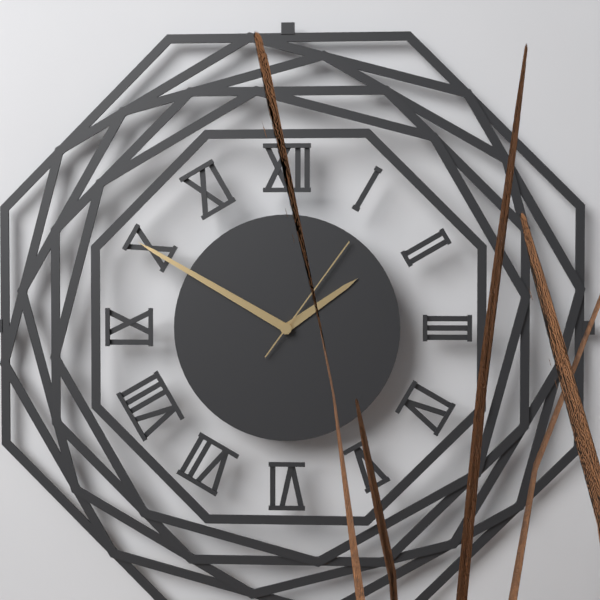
h=1 m=50 s=6
